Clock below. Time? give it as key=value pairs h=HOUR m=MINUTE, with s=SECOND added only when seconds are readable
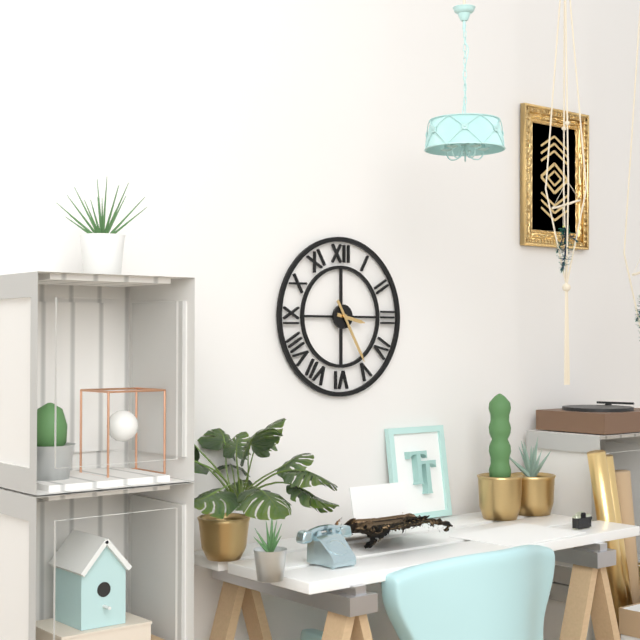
h=3 m=25
